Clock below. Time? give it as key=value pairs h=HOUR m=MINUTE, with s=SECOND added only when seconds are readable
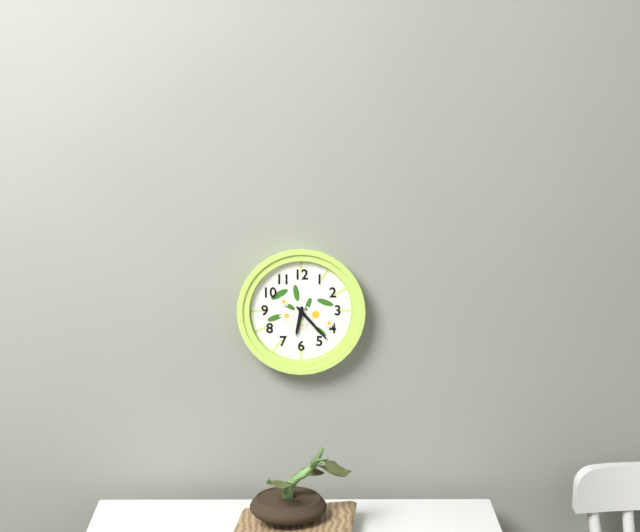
h=6 m=23
